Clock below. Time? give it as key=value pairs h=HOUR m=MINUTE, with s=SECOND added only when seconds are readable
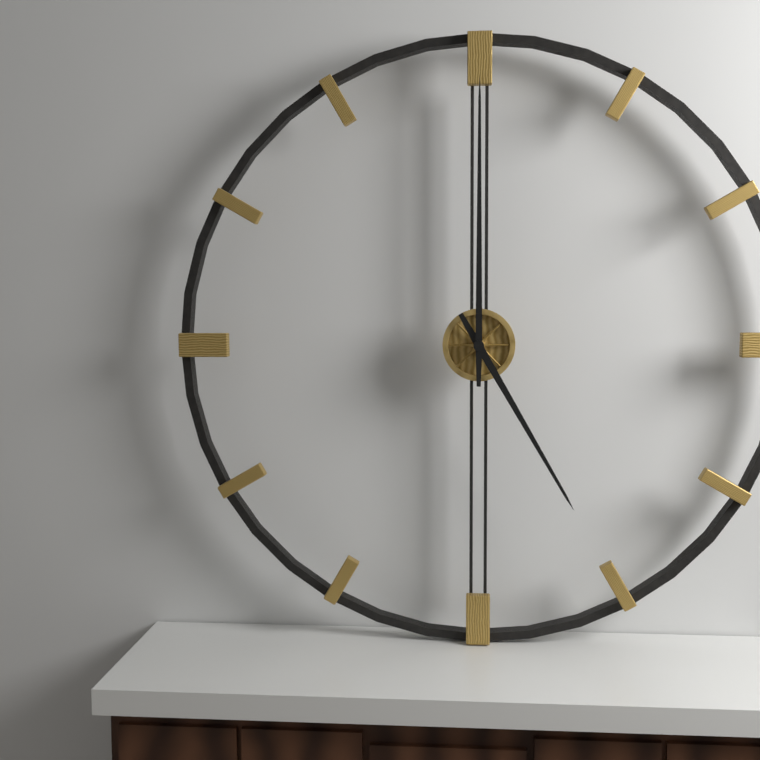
h=5 m=0
